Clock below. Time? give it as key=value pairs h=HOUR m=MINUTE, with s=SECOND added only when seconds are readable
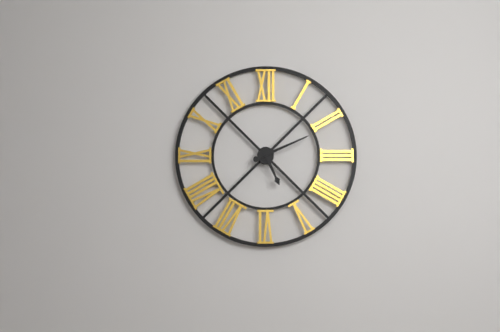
h=5 m=11
